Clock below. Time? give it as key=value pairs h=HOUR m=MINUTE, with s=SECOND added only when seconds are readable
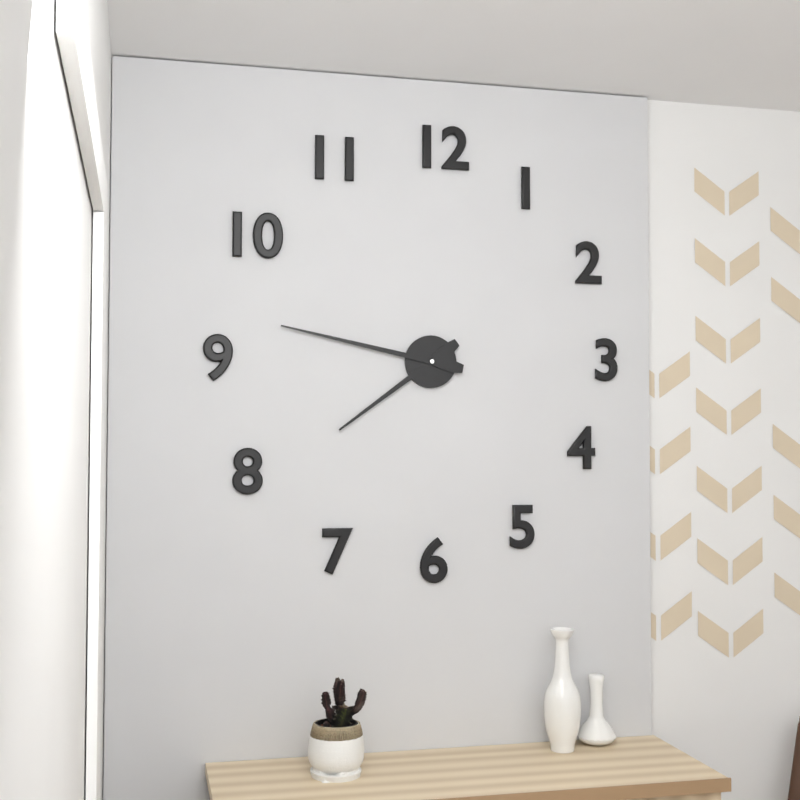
h=7 m=47
